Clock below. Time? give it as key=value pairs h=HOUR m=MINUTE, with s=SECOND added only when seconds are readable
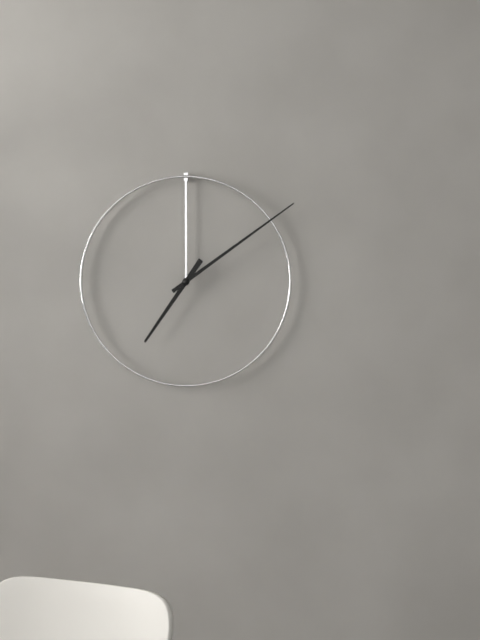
h=7 m=9
